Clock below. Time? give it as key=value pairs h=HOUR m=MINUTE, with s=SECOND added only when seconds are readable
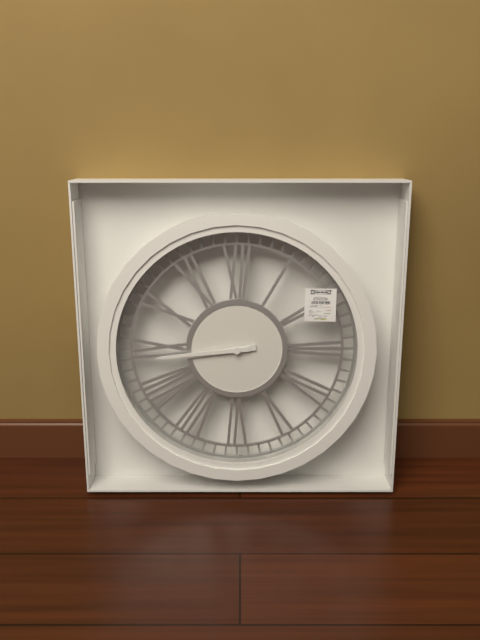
h=8 m=44
